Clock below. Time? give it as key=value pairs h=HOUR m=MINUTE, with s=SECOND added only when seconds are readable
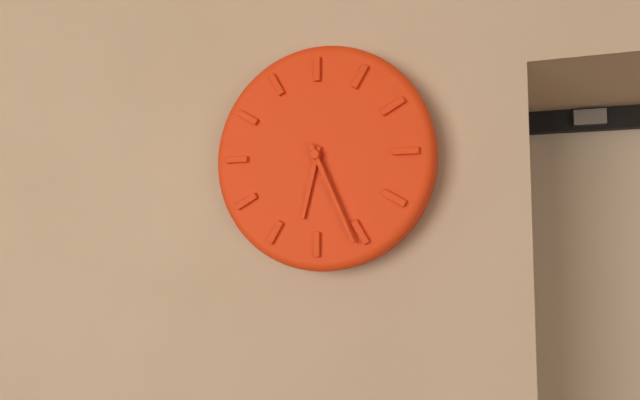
h=6 m=26
